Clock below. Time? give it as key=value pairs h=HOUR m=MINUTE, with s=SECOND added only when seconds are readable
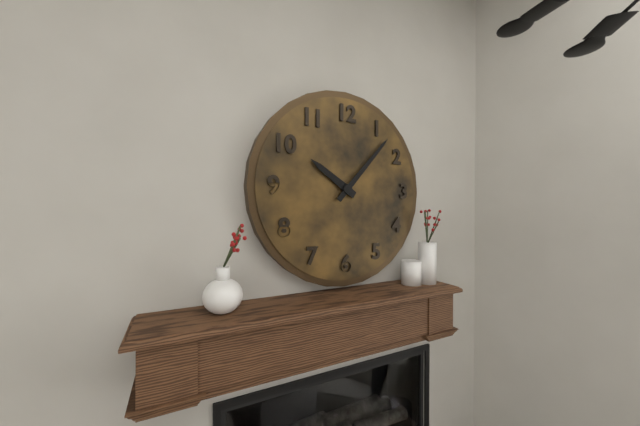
h=10 m=7
